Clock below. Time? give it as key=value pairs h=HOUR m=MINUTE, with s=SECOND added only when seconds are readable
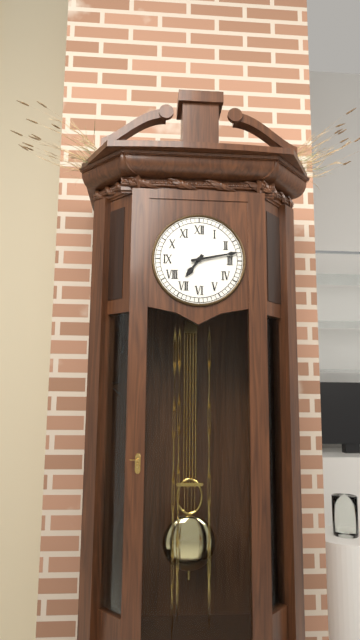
h=7 m=13
